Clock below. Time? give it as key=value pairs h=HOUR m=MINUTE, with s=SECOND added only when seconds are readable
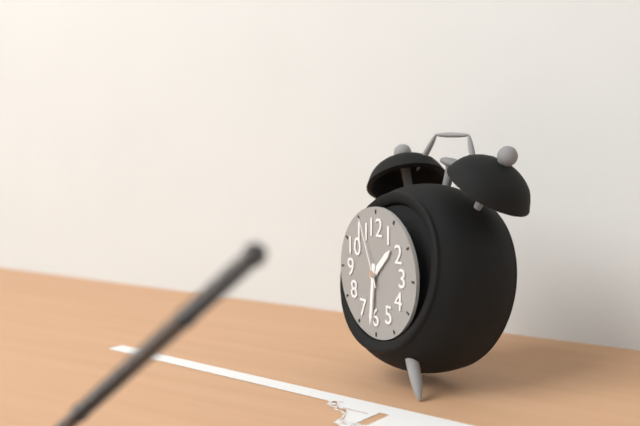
h=1 m=31 s=56
